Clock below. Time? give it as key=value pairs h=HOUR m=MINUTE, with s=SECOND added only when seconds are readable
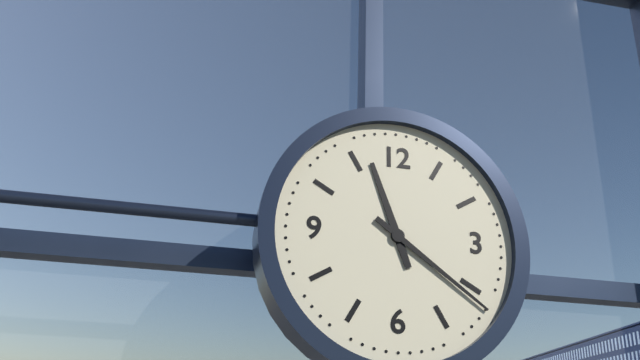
h=11 m=21
